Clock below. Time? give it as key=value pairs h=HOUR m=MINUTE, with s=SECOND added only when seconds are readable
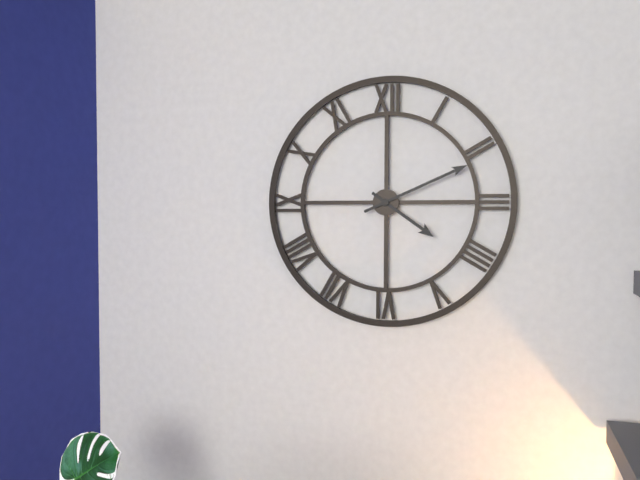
h=4 m=11
